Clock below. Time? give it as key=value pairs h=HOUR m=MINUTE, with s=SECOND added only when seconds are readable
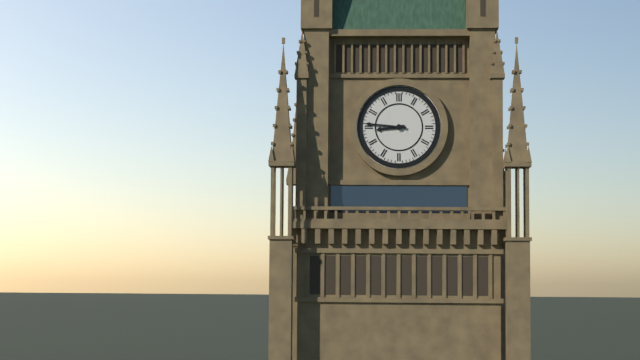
h=8 m=46
